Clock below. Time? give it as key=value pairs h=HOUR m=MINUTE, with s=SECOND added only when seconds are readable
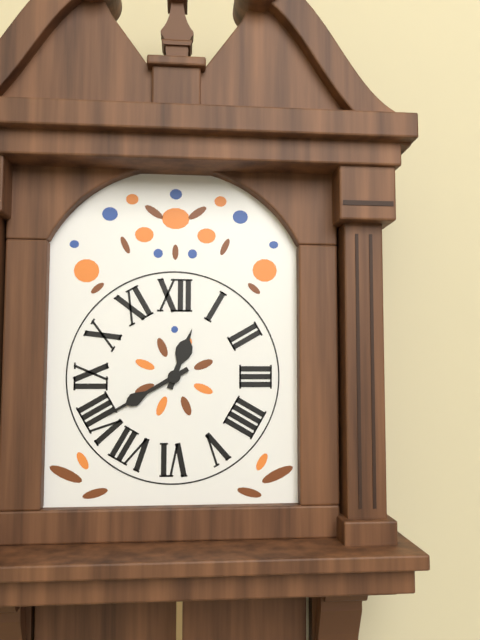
h=12 m=40
